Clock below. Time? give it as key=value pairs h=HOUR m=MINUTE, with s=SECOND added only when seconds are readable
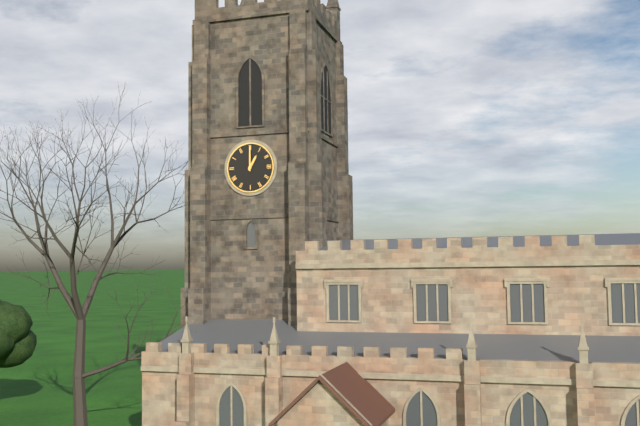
h=1 m=0
